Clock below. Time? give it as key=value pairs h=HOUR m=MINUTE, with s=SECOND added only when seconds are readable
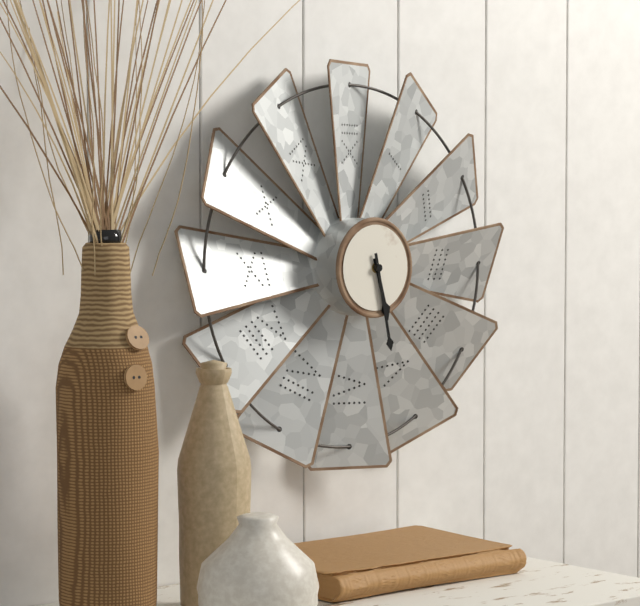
h=5 m=28
